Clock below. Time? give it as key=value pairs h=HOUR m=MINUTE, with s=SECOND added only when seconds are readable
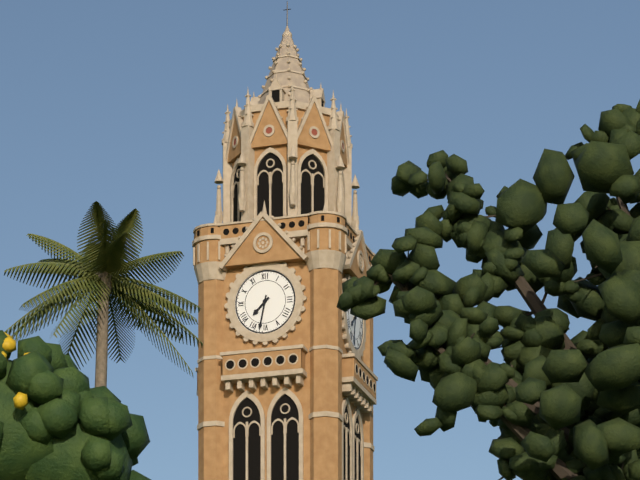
h=7 m=32
